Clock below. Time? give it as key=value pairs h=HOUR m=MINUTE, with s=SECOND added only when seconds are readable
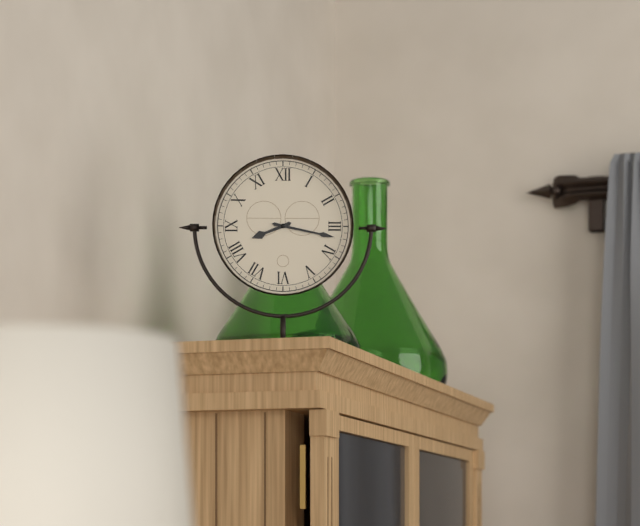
h=8 m=17
